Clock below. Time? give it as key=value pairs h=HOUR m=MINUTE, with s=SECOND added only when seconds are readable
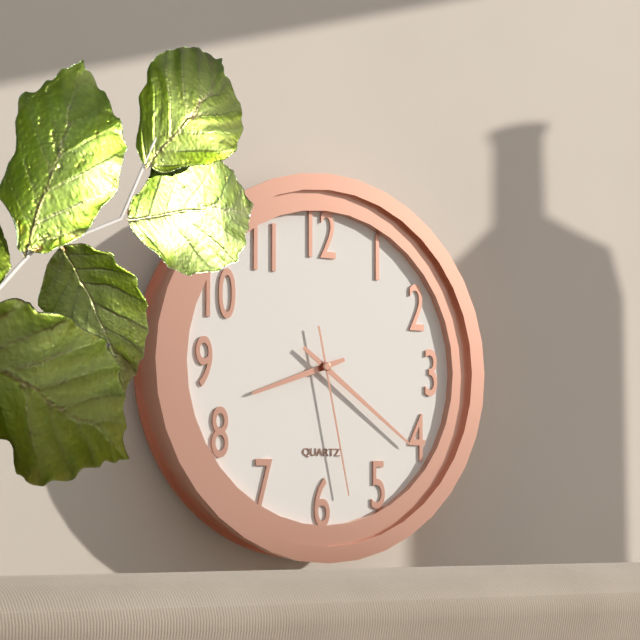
h=8 m=21 s=28
